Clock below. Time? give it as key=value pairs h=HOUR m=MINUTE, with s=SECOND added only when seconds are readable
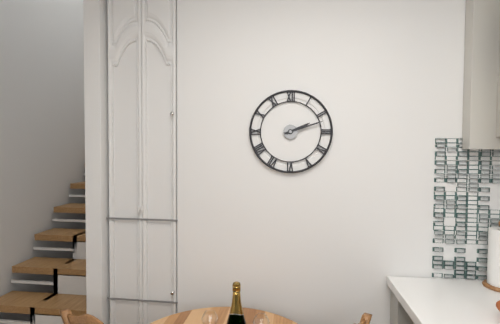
h=2 m=12
